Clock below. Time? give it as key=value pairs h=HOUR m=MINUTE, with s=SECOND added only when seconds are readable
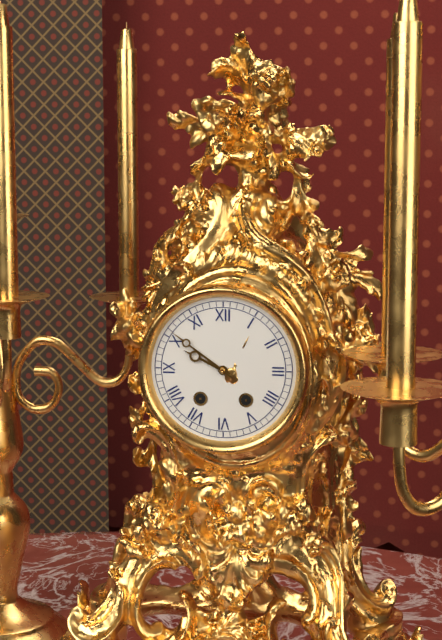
h=9 m=51
